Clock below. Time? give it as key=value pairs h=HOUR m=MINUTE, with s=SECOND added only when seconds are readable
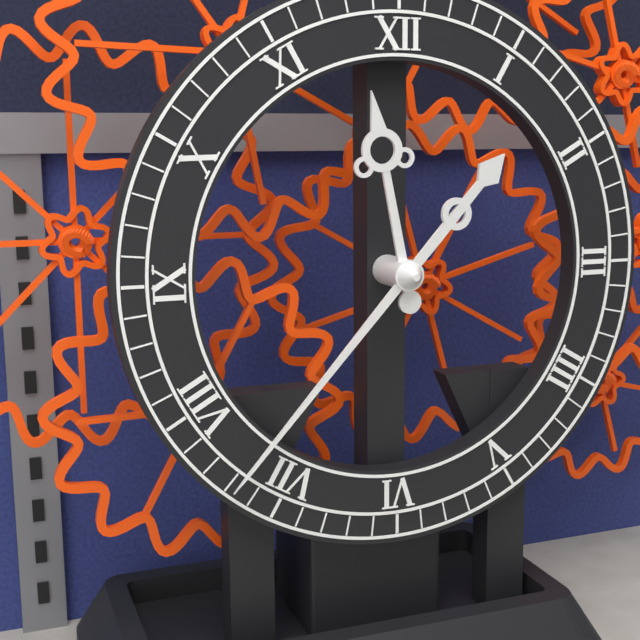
h=11 m=37
